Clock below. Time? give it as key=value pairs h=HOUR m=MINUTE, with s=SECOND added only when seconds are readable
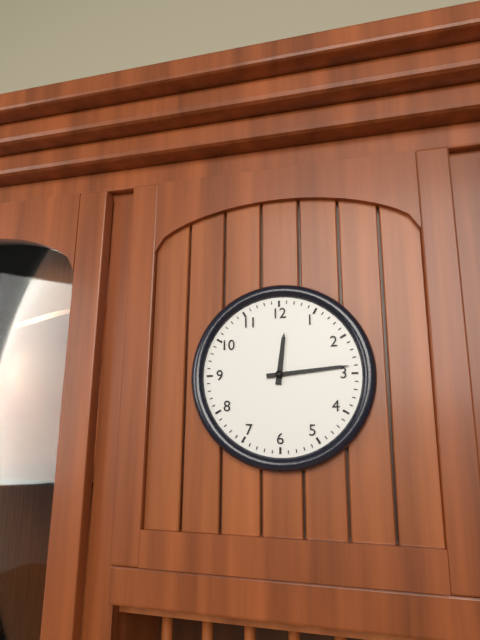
h=12 m=14
